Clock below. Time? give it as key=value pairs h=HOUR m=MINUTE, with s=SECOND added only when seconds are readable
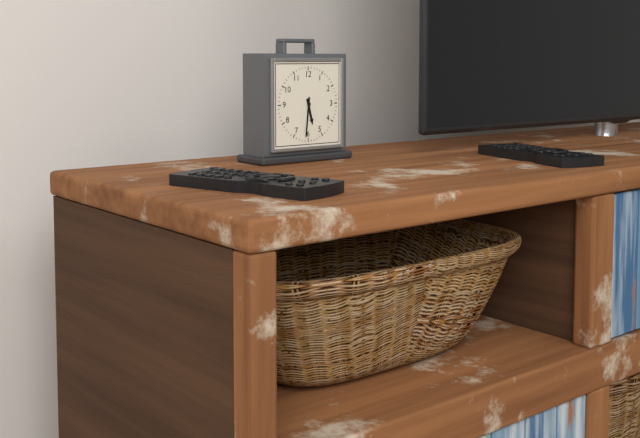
h=5 m=31
